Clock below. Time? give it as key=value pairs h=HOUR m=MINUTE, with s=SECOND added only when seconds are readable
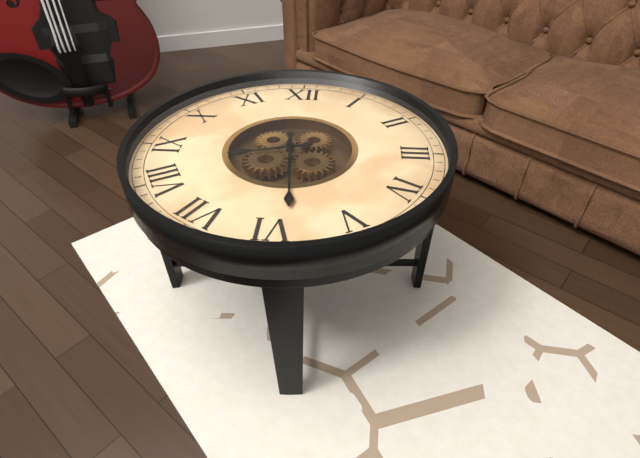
h=8 m=29
